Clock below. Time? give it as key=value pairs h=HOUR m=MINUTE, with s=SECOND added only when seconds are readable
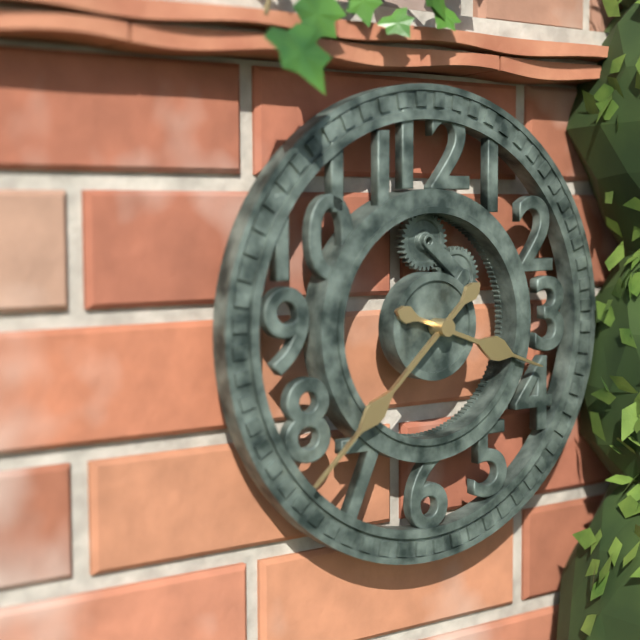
h=3 m=38
